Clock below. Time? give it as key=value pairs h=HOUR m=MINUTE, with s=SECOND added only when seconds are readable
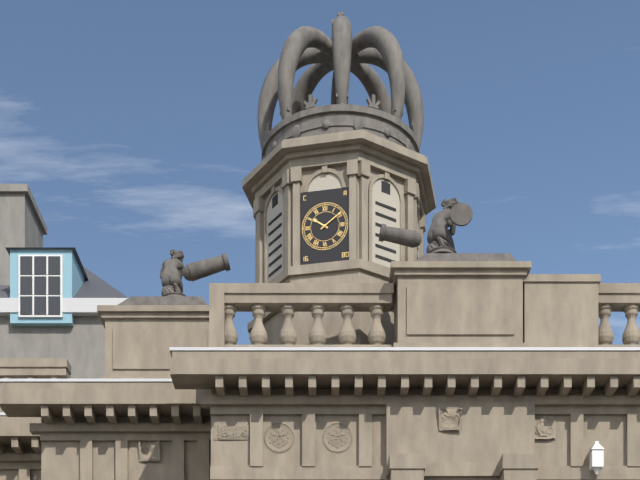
h=10 m=9
